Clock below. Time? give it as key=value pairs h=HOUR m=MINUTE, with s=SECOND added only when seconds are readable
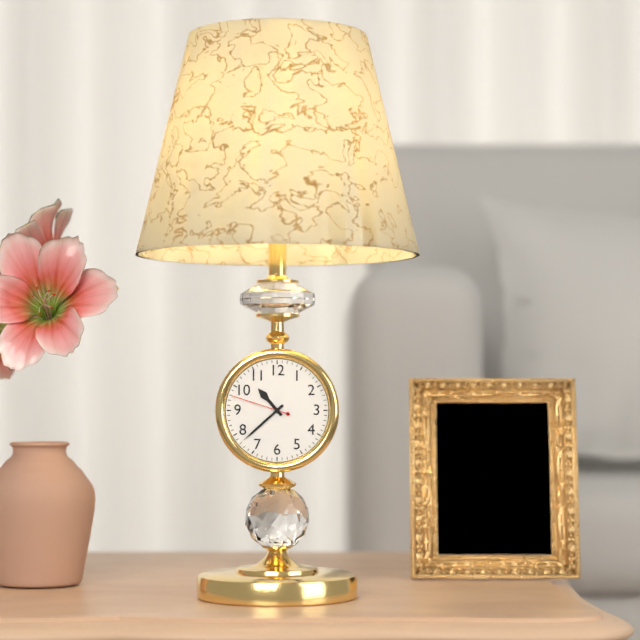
h=10 m=38 s=48
